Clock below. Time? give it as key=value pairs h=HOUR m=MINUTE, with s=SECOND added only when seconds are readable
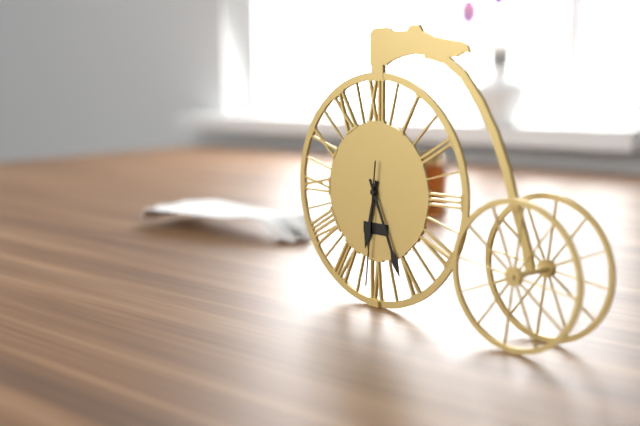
h=6 m=26 s=31
